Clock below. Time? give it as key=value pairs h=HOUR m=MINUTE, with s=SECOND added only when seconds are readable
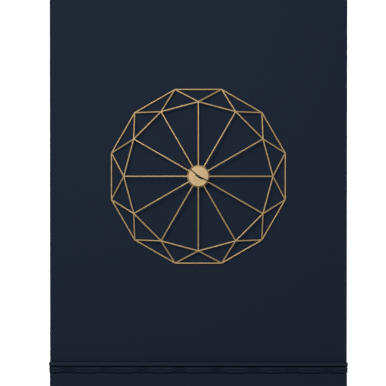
h=3 m=52
